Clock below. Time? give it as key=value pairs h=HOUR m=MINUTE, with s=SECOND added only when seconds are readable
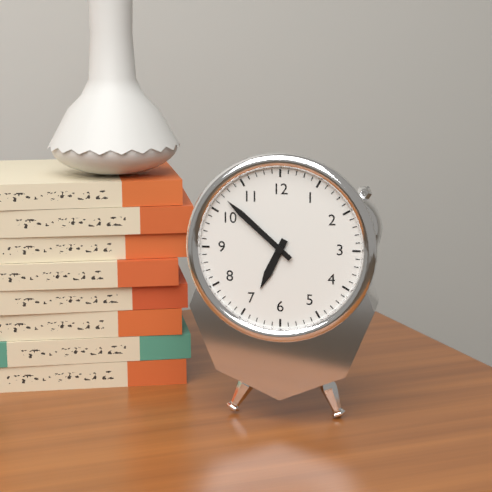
h=6 m=52
